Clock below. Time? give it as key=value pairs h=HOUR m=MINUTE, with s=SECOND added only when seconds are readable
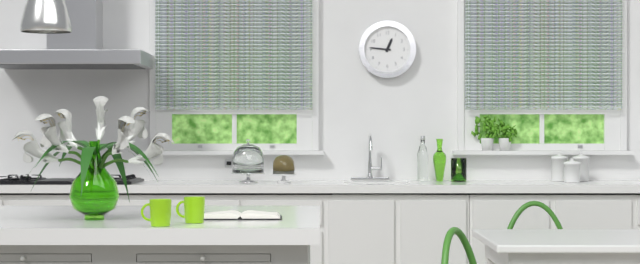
h=12 m=46
